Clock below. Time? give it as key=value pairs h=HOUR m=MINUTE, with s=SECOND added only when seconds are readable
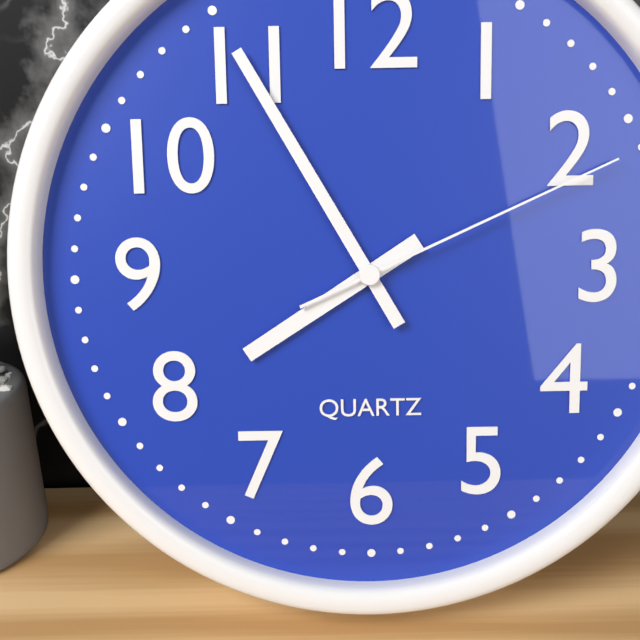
h=7 m=55 s=11
